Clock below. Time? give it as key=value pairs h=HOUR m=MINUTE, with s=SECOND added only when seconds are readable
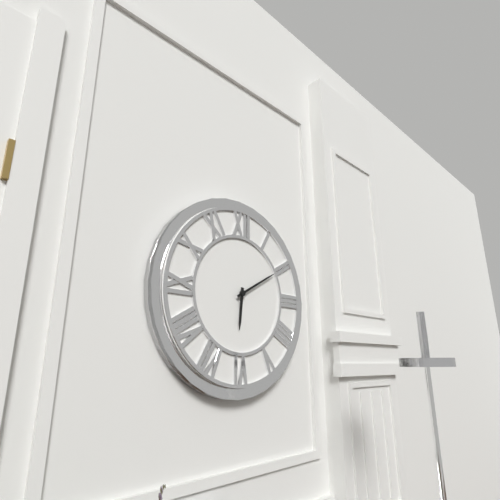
h=6 m=10
